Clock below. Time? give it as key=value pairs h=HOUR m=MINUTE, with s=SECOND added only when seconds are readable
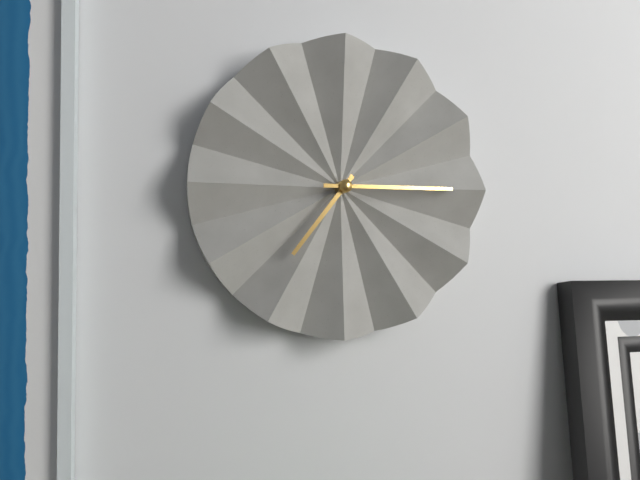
h=7 m=15
